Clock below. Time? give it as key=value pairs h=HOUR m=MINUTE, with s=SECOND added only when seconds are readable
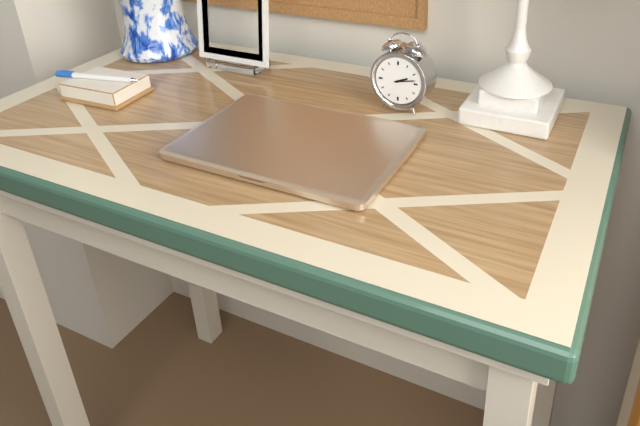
h=2 m=13
